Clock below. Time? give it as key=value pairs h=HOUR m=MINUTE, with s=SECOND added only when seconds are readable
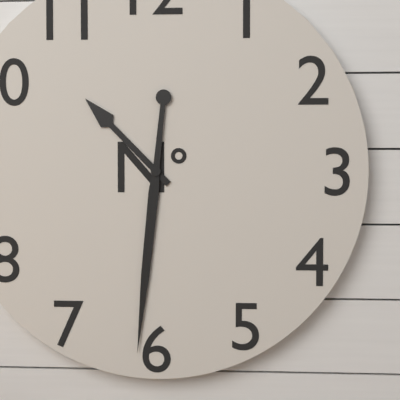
h=10 m=31
